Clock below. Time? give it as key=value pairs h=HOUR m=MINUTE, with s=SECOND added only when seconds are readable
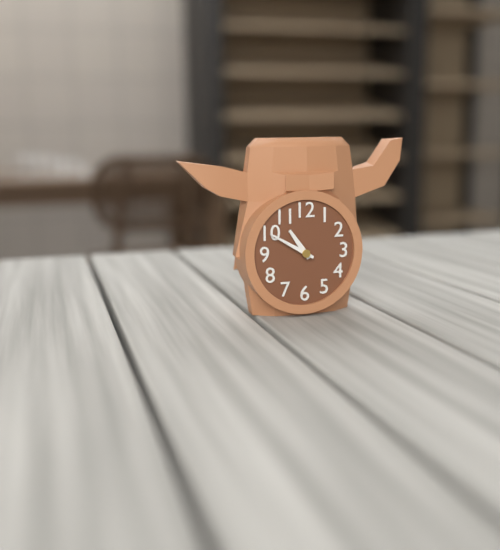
h=10 m=50
